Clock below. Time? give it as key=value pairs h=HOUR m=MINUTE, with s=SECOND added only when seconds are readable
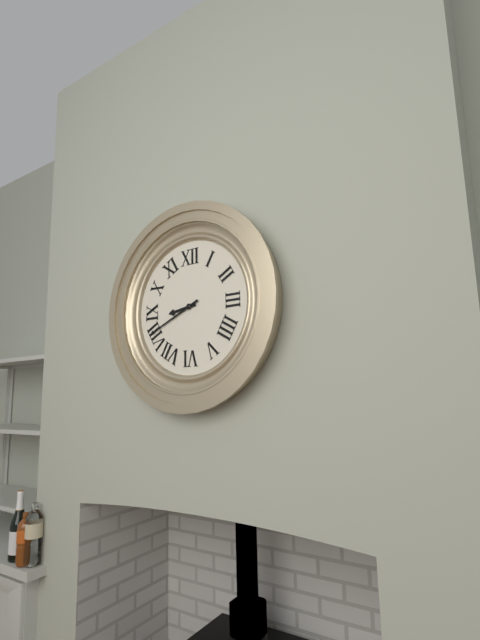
h=8 m=41
